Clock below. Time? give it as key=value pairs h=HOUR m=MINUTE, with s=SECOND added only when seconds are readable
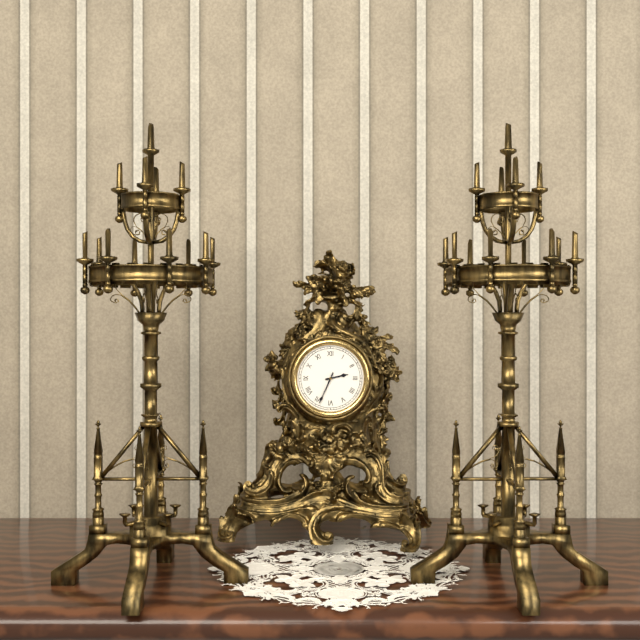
h=2 m=34
